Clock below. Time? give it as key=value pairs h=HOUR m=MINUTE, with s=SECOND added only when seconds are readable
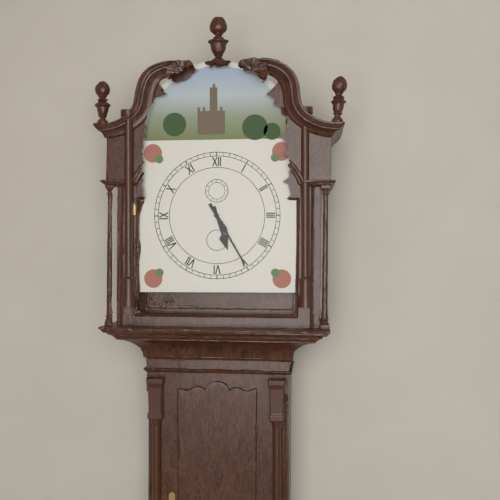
h=5 m=25
